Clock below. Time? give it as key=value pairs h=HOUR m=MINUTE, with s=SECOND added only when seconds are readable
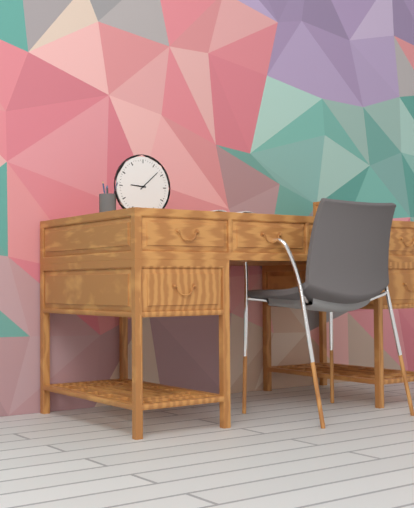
h=9 m=8
